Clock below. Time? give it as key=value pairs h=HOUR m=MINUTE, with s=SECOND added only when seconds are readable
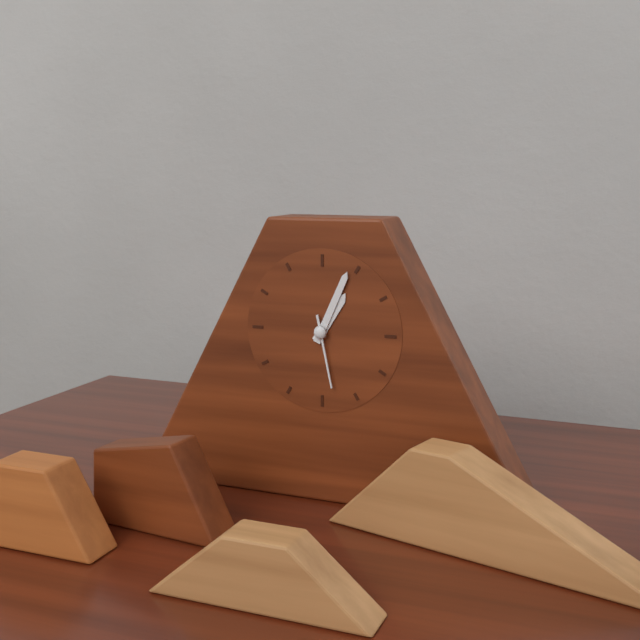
h=1 m=4 s=28
